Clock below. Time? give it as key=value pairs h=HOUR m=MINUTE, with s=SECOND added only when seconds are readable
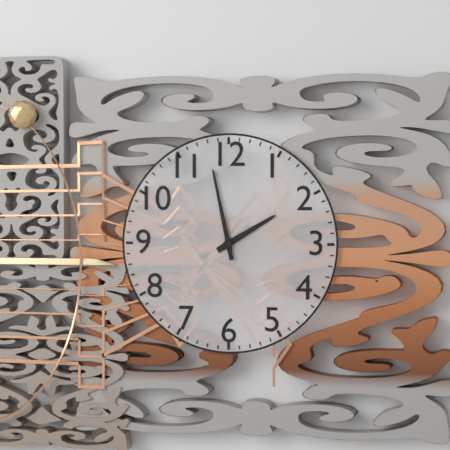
h=1 m=58
